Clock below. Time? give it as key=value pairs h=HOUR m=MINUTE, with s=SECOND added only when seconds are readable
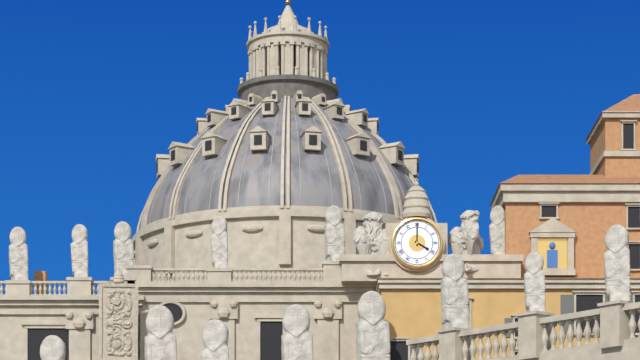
h=4 m=0
